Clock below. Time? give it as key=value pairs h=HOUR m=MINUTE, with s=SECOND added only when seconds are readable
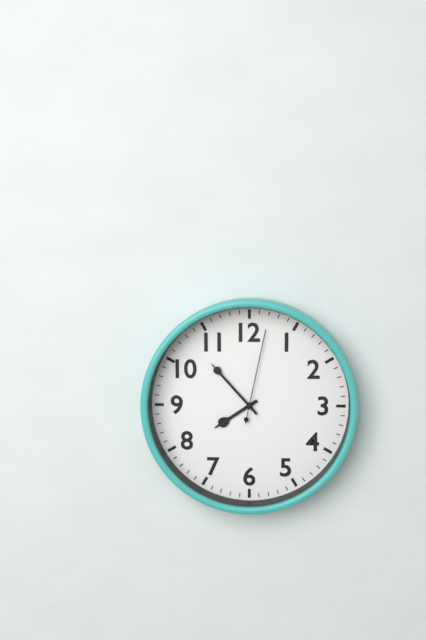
h=7 m=53 s=2
